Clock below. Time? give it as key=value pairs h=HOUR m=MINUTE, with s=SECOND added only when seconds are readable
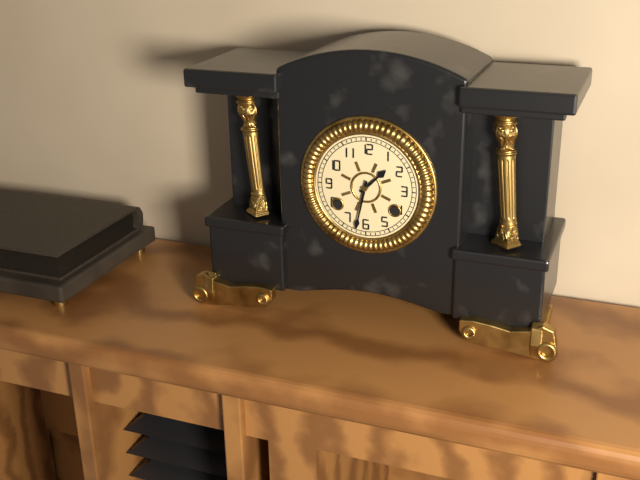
h=1 m=32
